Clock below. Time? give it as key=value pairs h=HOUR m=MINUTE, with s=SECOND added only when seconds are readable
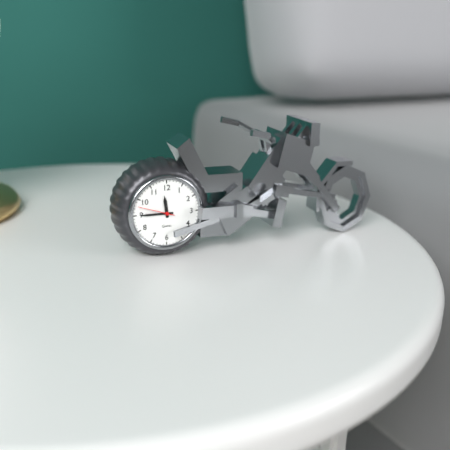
h=11 m=45
